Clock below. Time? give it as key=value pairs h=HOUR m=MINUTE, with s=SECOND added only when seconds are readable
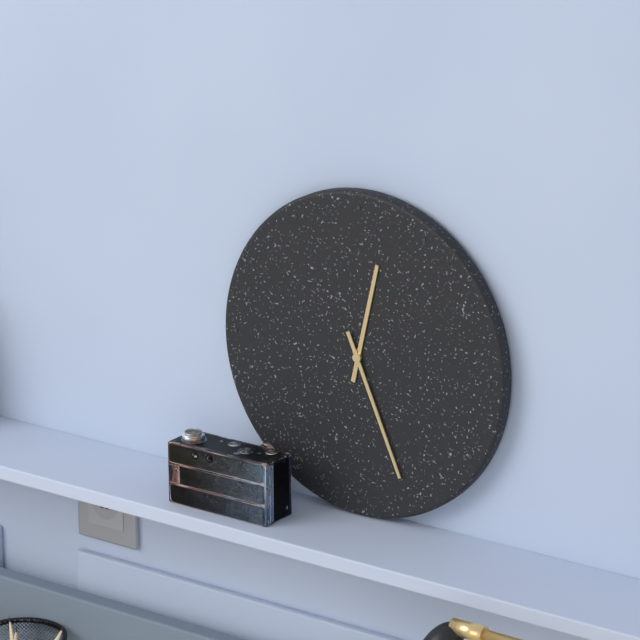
h=12 m=26
